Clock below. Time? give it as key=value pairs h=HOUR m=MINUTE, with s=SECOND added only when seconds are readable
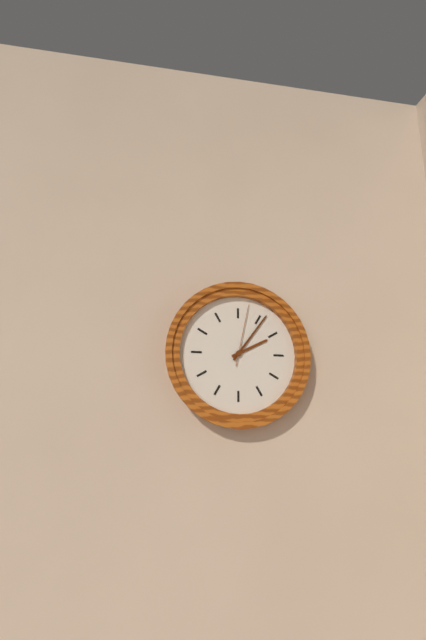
h=2 m=6 s=2
